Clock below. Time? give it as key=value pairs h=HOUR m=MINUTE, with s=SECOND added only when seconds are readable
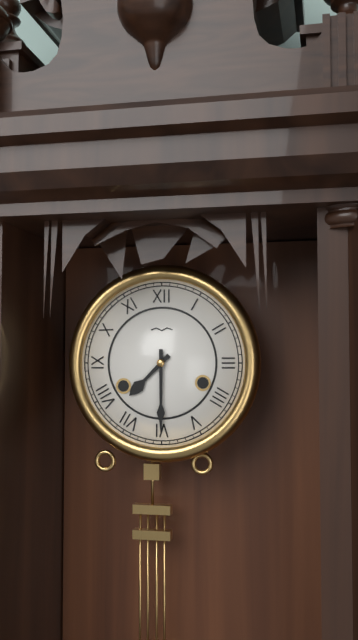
h=7 m=30
